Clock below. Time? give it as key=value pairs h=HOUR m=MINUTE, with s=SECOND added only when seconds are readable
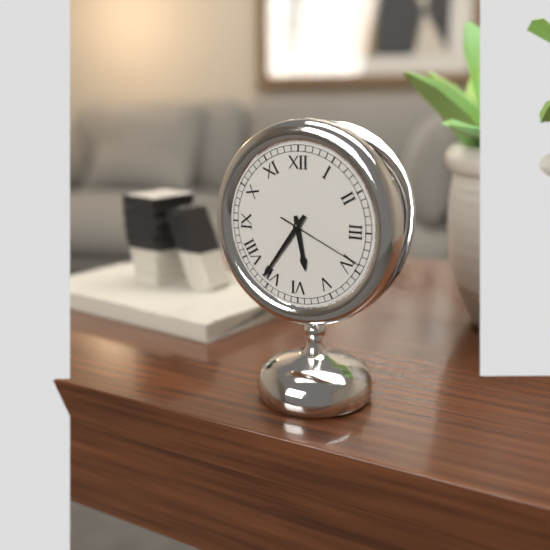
h=5 m=36 s=19
